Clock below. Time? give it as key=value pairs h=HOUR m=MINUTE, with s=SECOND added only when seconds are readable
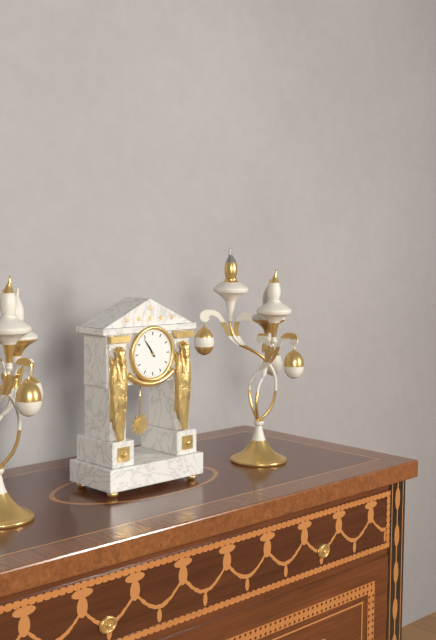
h=10 m=54
